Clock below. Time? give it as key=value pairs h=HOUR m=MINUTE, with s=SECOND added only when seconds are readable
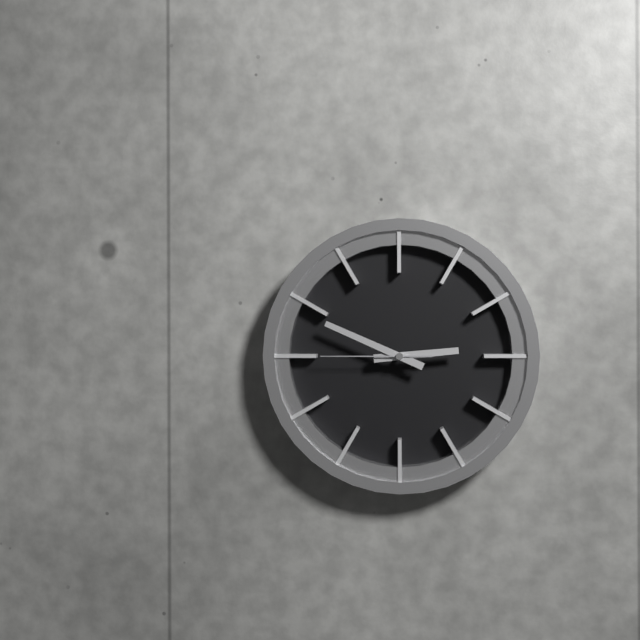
h=2 m=49 s=45
